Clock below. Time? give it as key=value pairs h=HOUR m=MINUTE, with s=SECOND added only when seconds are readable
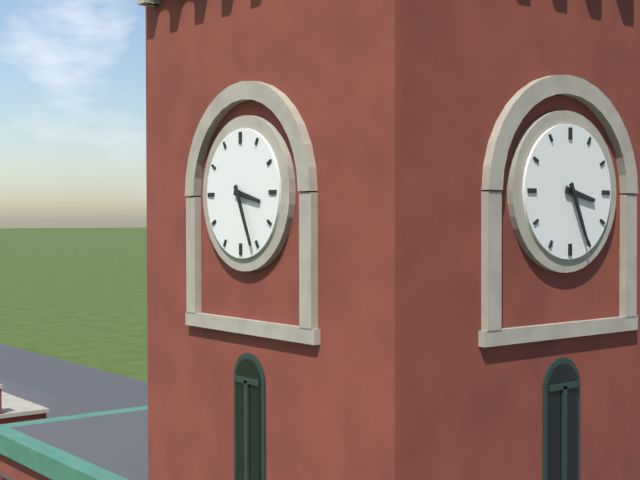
h=3 m=26
